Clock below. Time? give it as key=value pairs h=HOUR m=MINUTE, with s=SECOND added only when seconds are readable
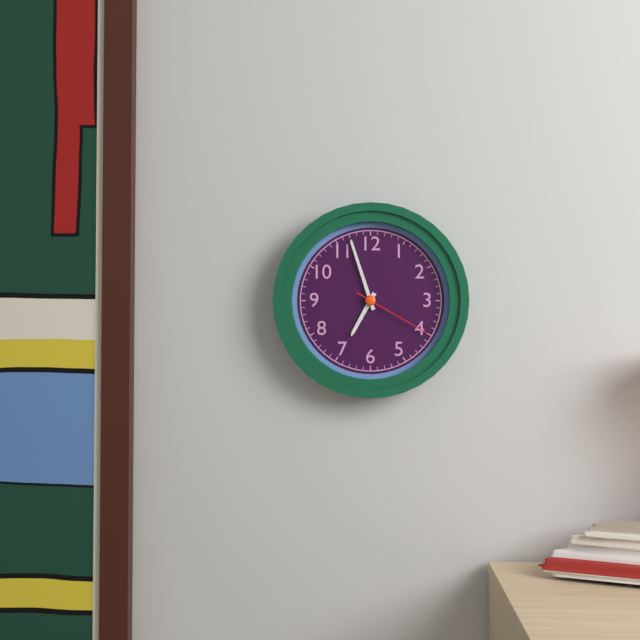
h=6 m=57 s=20
